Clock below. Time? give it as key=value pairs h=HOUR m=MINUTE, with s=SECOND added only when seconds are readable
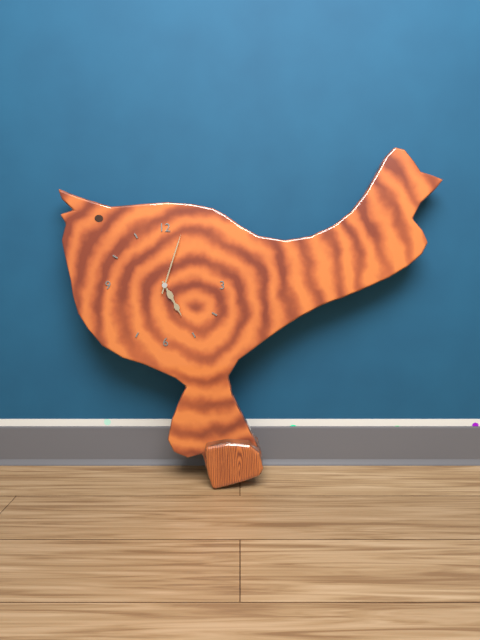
h=5 m=3
